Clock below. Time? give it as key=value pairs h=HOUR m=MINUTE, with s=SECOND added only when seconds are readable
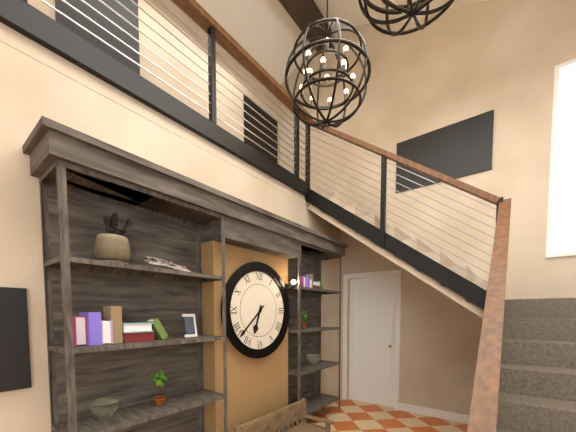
h=6 m=38
